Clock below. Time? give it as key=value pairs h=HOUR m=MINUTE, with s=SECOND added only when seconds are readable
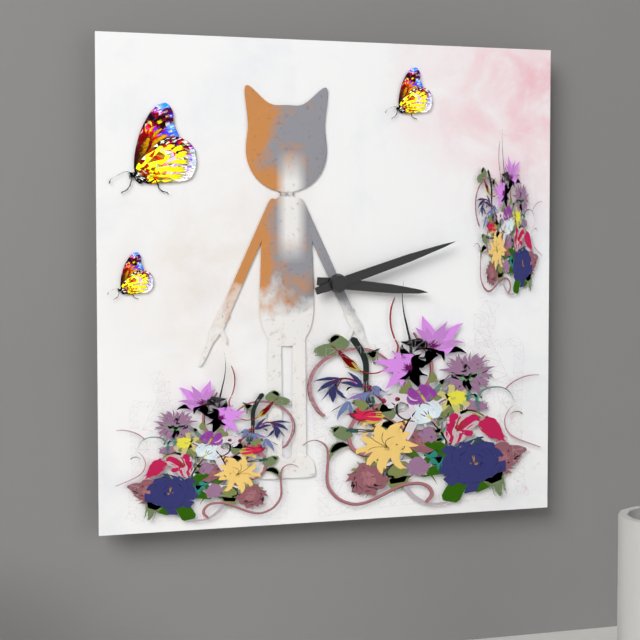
h=3 m=12
